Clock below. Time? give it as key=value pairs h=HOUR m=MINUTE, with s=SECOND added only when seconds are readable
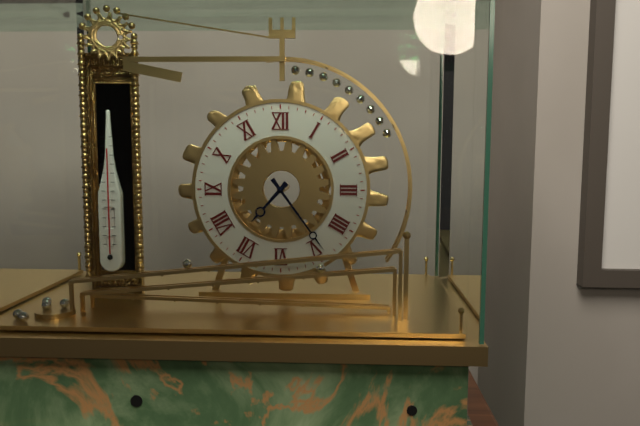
h=7 m=24
